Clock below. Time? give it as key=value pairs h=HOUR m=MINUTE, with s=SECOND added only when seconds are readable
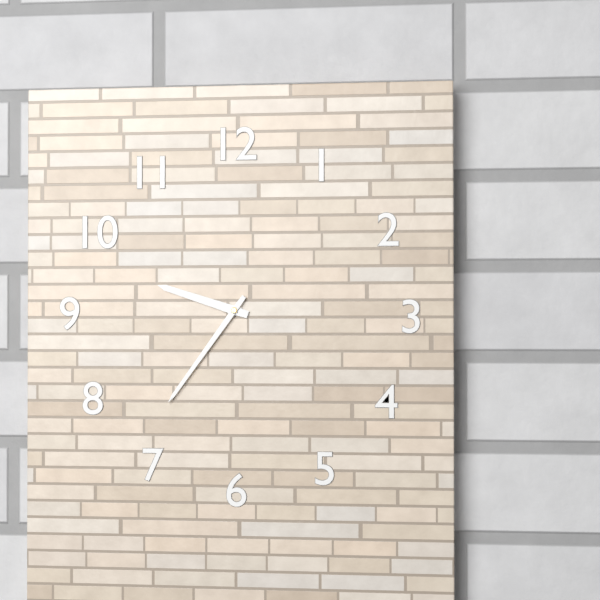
h=9 m=36
